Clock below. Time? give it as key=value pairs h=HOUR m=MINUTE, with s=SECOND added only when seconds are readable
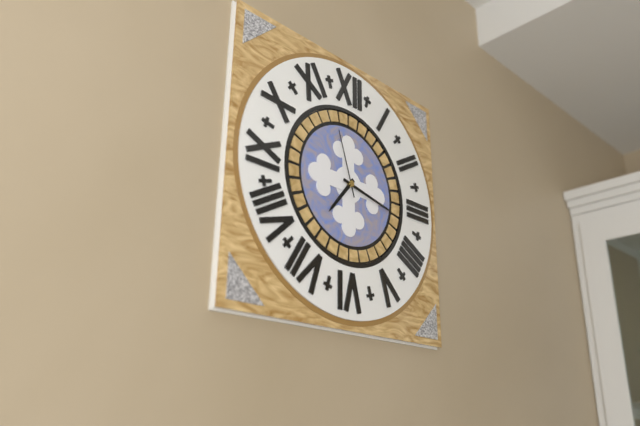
h=7 m=17 s=57
